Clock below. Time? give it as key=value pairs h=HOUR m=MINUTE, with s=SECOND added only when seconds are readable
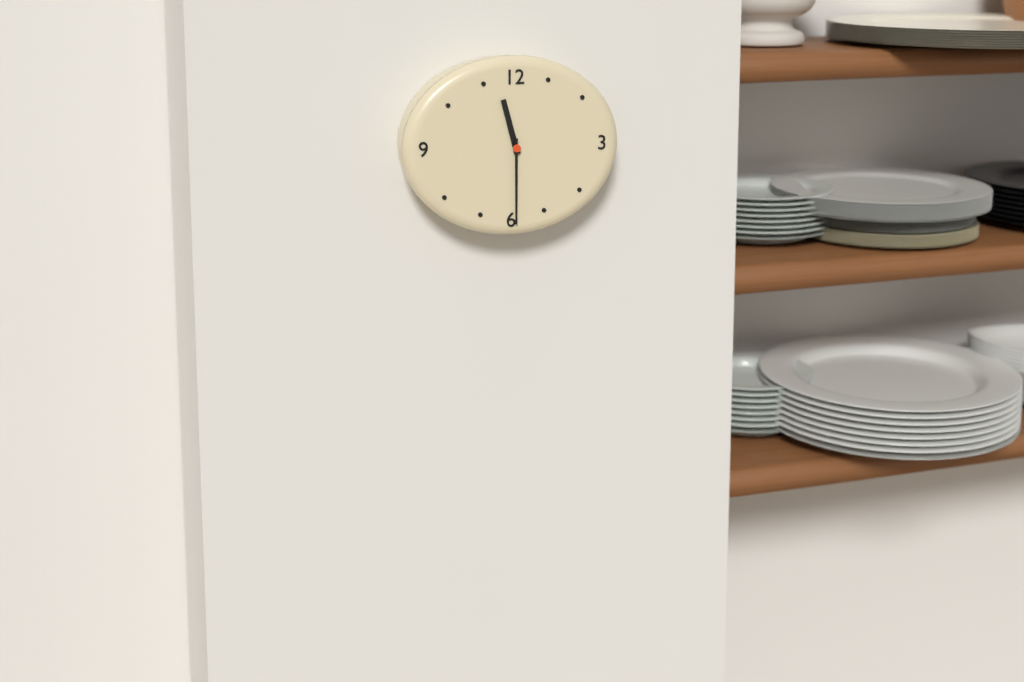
h=11 m=30
